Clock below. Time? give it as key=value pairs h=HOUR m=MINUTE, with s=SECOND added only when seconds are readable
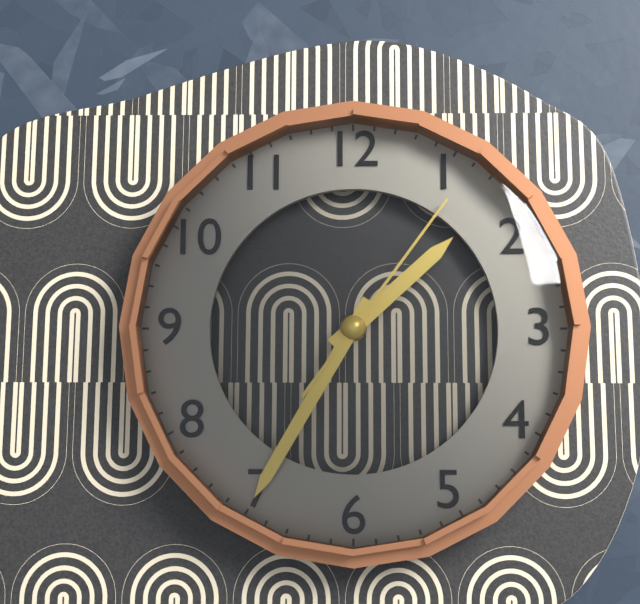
h=1 m=35 s=6
